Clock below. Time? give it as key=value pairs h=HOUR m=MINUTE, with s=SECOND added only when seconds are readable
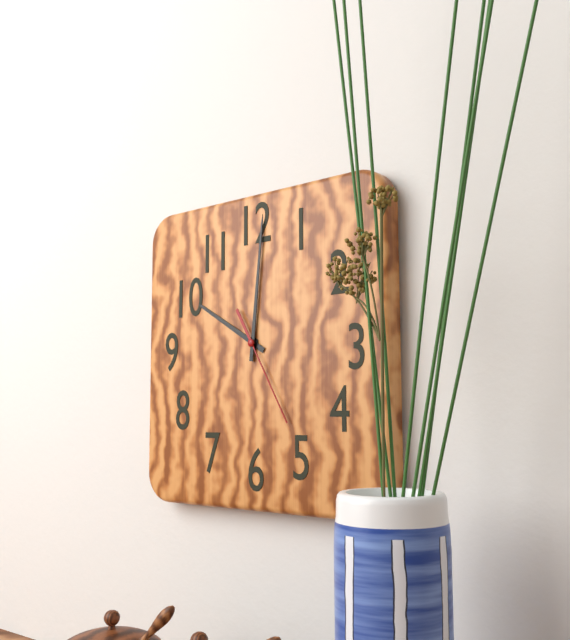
h=10 m=1 s=25
